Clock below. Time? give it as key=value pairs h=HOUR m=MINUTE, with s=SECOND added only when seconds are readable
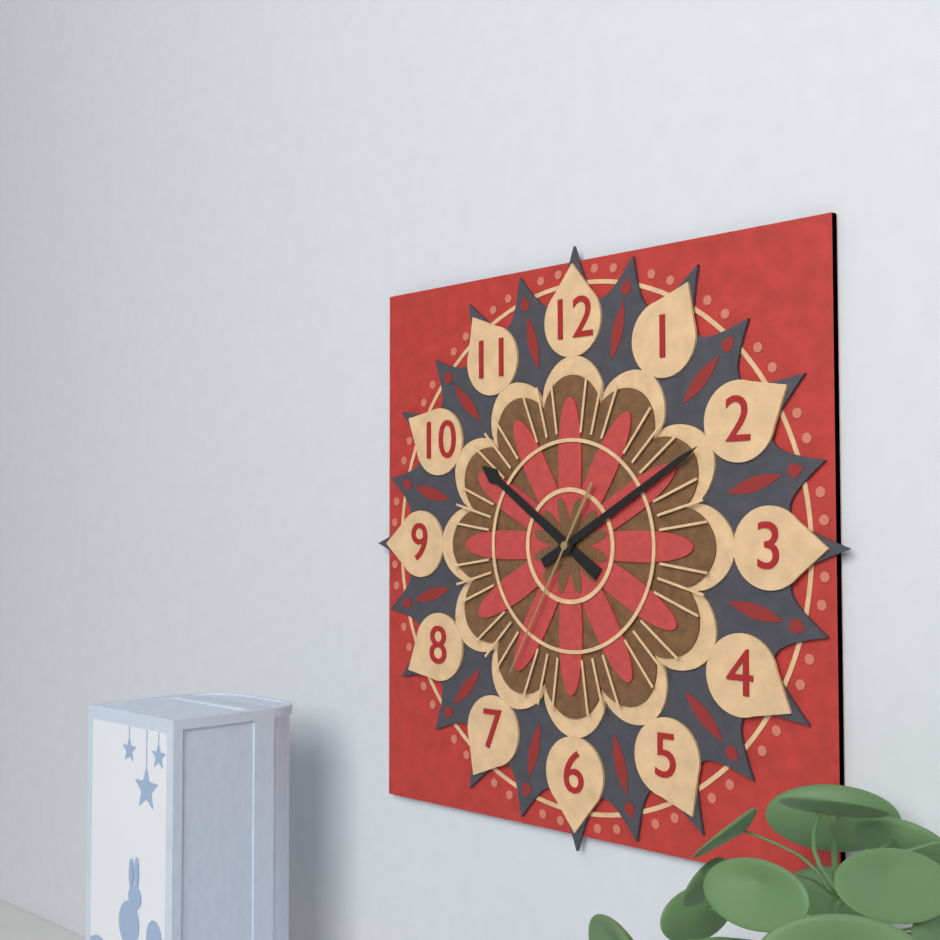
h=10 m=10 s=35
